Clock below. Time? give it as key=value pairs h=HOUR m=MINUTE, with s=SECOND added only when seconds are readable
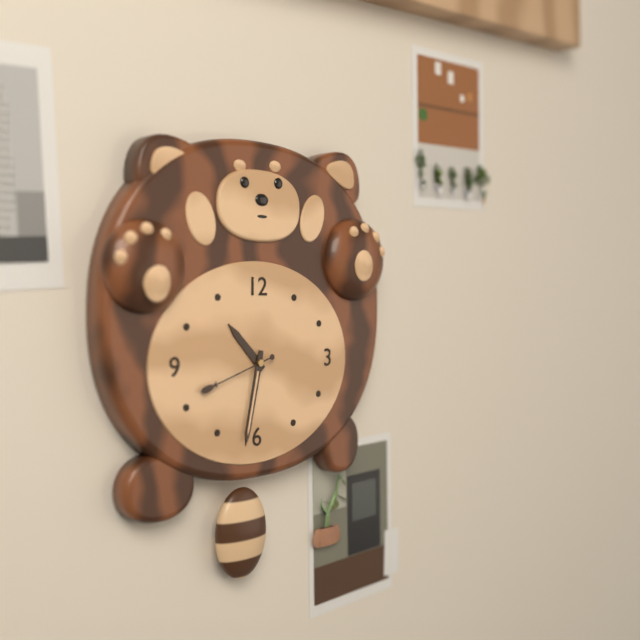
h=10 m=32 s=42
